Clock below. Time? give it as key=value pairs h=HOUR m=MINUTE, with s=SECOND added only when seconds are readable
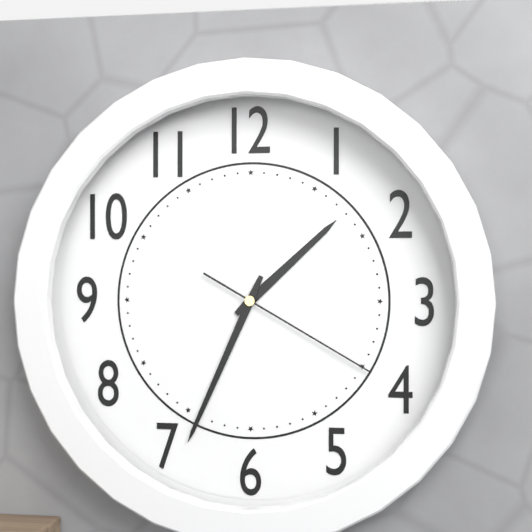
h=1 m=34 s=20
